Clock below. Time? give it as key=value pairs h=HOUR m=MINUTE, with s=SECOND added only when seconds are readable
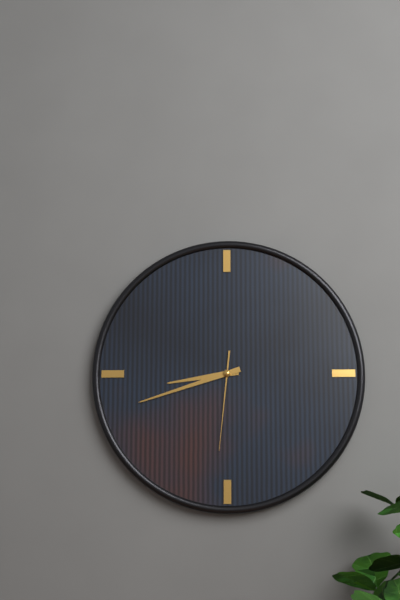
h=8 m=42 s=31
